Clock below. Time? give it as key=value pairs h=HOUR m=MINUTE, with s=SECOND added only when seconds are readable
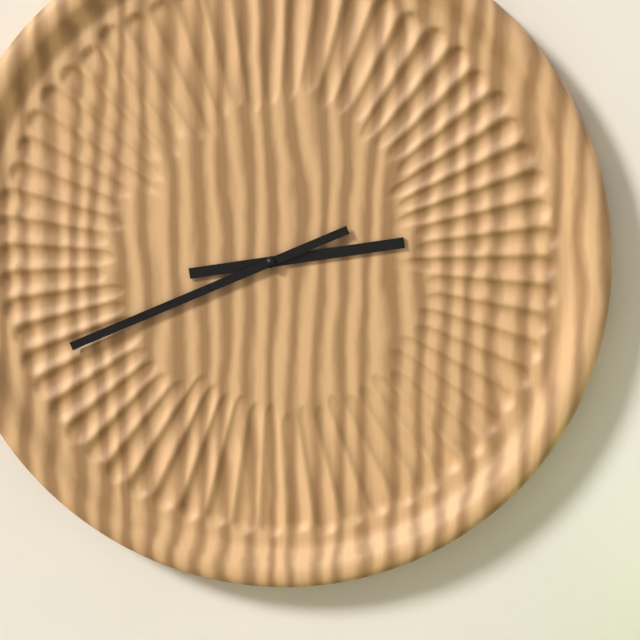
h=2 m=41
